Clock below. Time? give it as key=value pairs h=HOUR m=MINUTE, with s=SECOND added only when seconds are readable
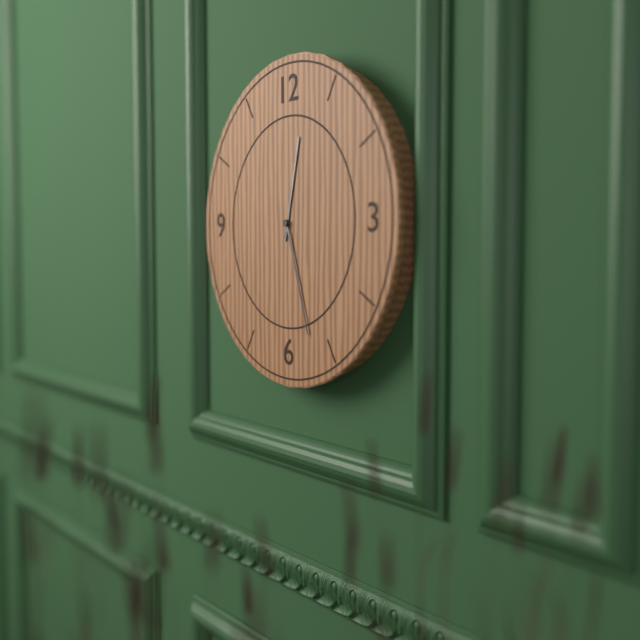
h=12 m=27
